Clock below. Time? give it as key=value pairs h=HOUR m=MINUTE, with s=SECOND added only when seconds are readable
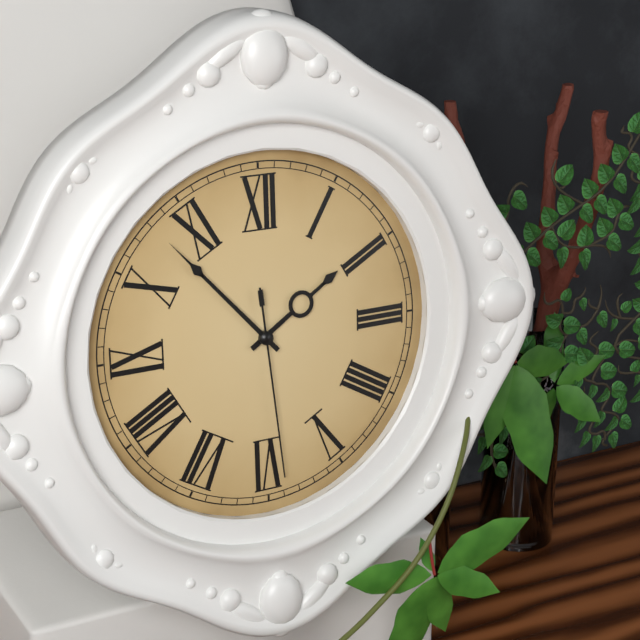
h=1 m=53 s=29
